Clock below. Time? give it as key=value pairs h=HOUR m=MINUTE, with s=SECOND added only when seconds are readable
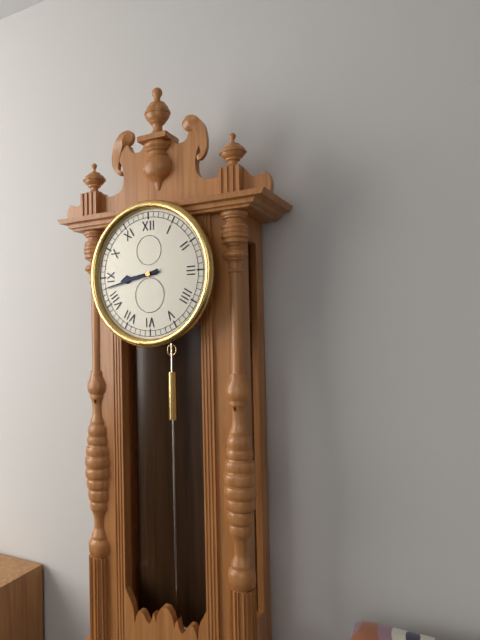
h=8 m=43
